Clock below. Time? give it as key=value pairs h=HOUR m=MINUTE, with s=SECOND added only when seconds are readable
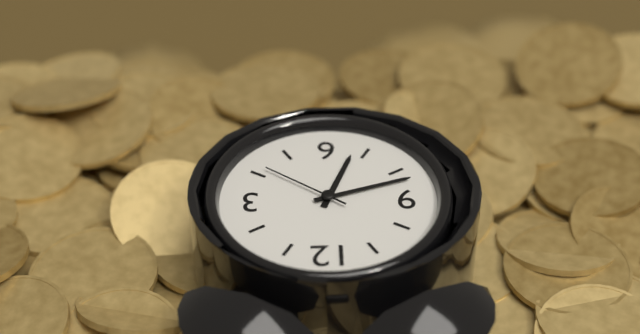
h=6 m=42 s=21
